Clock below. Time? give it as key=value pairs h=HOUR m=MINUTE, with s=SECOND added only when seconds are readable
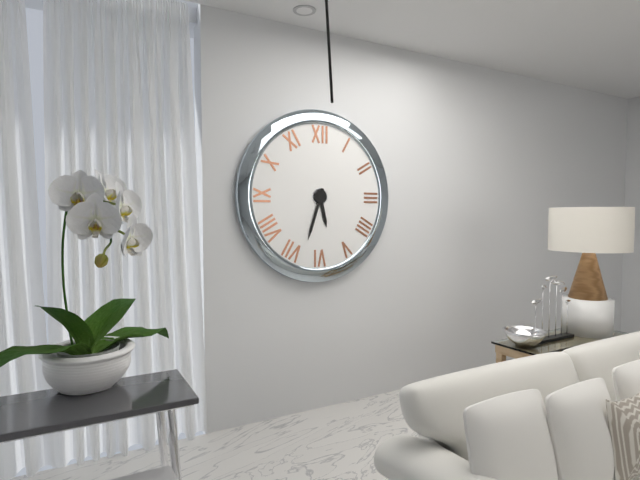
h=5 m=33
